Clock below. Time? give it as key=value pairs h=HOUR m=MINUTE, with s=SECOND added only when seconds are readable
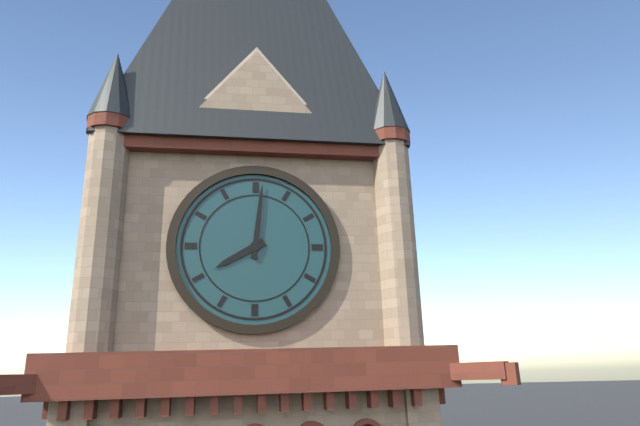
h=8 m=1
